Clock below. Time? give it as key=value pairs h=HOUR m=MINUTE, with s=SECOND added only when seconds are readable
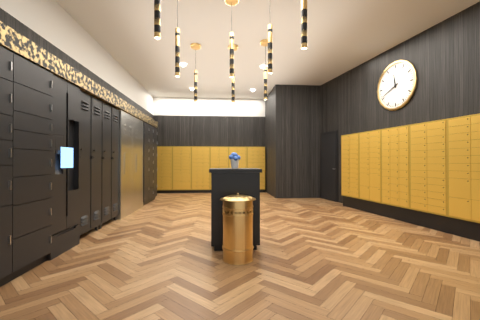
h=11 m=41
